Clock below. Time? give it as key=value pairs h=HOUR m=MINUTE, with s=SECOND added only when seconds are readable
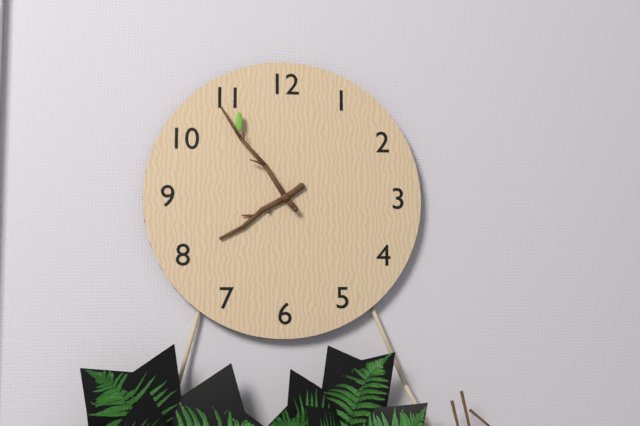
h=7 m=54
